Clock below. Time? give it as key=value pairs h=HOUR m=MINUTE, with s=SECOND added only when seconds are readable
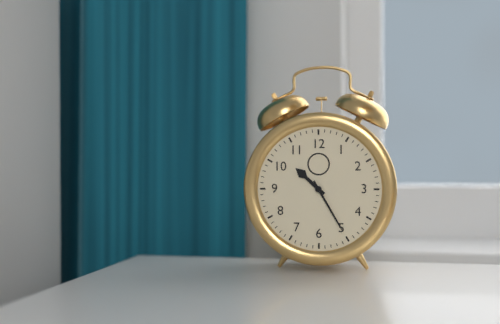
h=10 m=25
